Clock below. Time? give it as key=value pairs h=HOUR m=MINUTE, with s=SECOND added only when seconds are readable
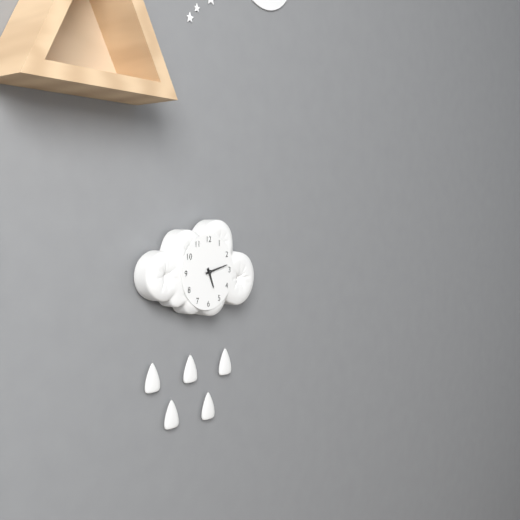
h=5 m=13
